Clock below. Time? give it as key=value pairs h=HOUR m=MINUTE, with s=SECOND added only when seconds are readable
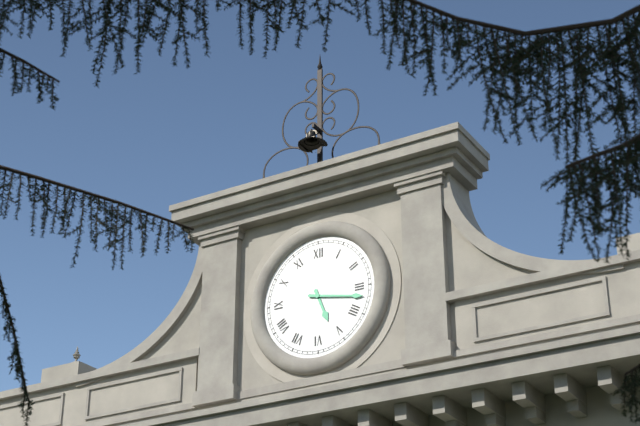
h=5 m=17
